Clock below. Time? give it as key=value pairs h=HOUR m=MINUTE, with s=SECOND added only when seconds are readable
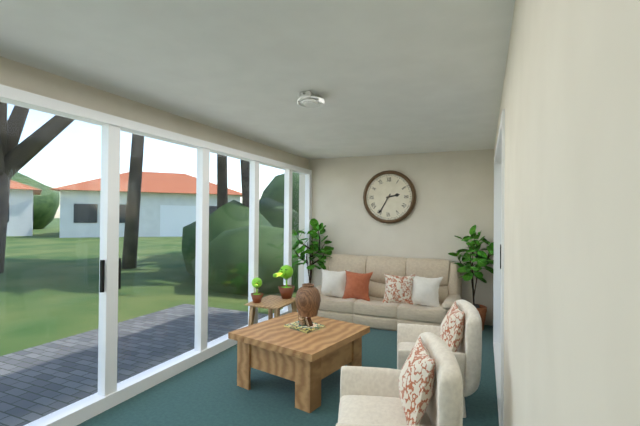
h=2 m=35
